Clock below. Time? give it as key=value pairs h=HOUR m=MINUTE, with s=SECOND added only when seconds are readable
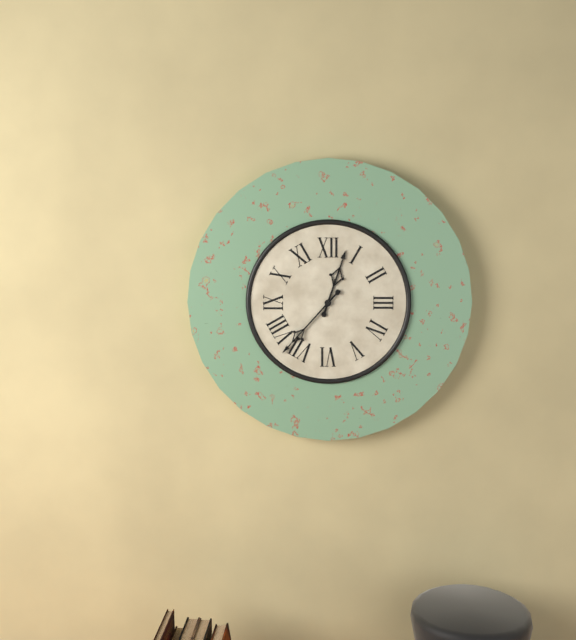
h=12 m=37
